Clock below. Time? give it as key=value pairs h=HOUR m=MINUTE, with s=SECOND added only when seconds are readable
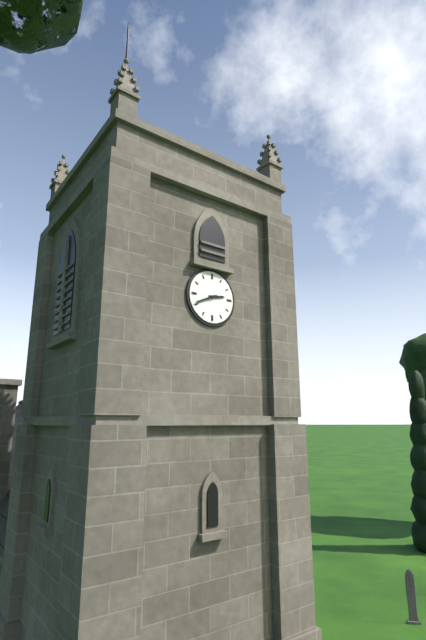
h=2 m=41
